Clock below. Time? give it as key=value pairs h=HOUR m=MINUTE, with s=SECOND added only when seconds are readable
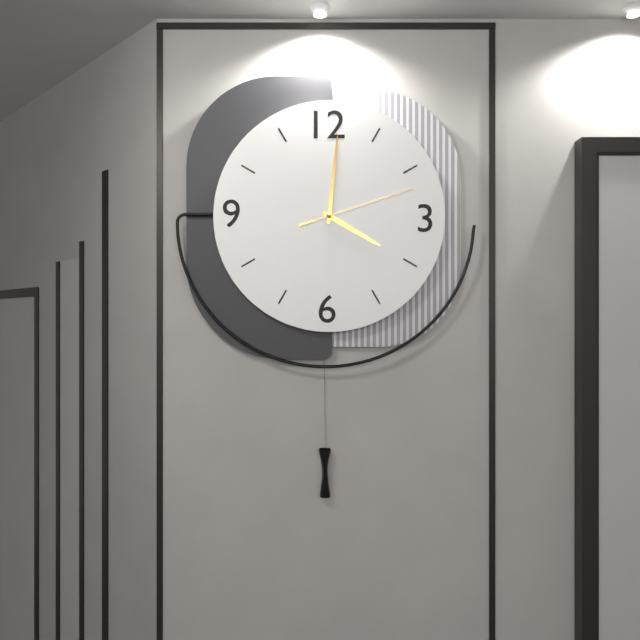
h=4 m=1 s=12
